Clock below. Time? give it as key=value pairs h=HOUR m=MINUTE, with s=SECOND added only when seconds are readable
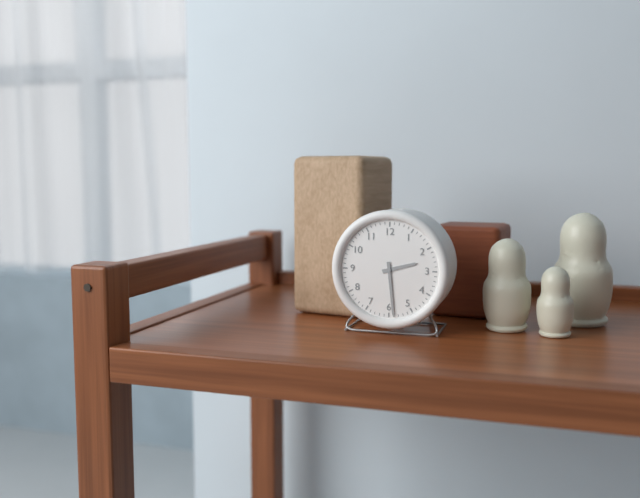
h=2 m=29
